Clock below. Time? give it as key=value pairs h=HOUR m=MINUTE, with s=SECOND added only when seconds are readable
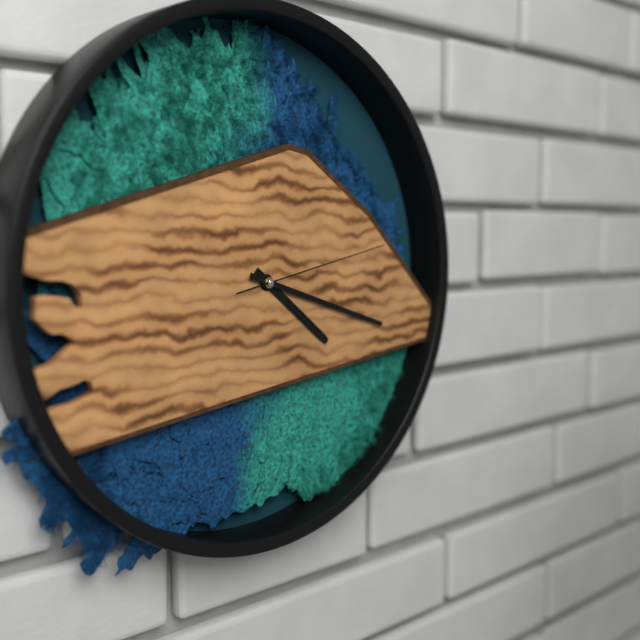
h=4 m=18 s=13
